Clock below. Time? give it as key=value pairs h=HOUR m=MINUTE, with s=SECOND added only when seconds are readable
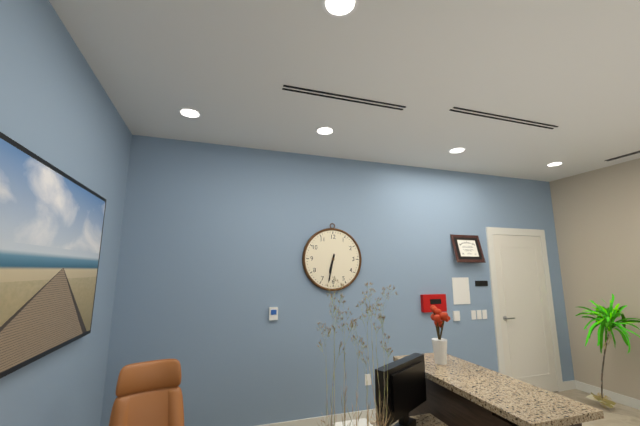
h=6 m=32
